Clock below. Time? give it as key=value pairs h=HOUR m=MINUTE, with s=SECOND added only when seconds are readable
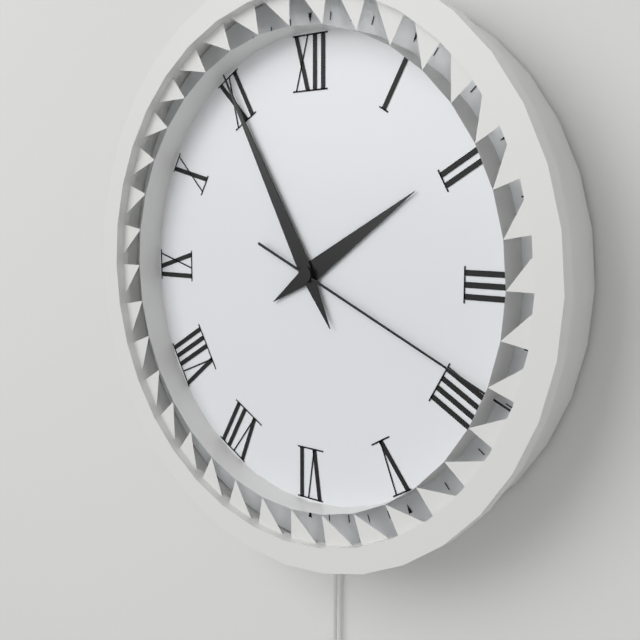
h=1 m=55 s=19
